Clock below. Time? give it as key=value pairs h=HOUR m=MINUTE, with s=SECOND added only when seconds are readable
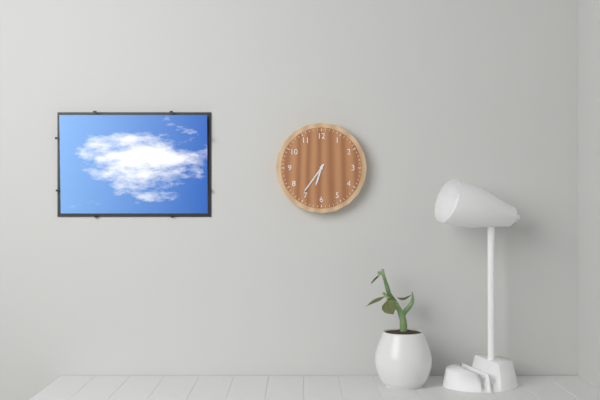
h=6 m=36
